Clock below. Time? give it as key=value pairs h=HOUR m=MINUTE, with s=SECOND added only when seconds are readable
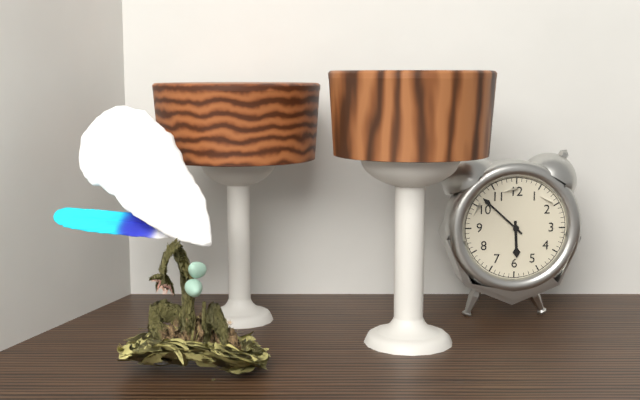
h=5 m=52
